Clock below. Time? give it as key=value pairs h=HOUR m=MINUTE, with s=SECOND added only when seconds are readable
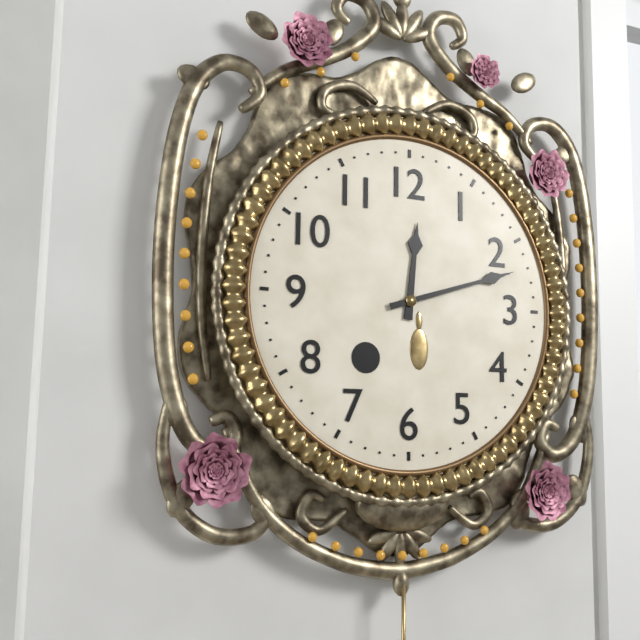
h=12 m=12
